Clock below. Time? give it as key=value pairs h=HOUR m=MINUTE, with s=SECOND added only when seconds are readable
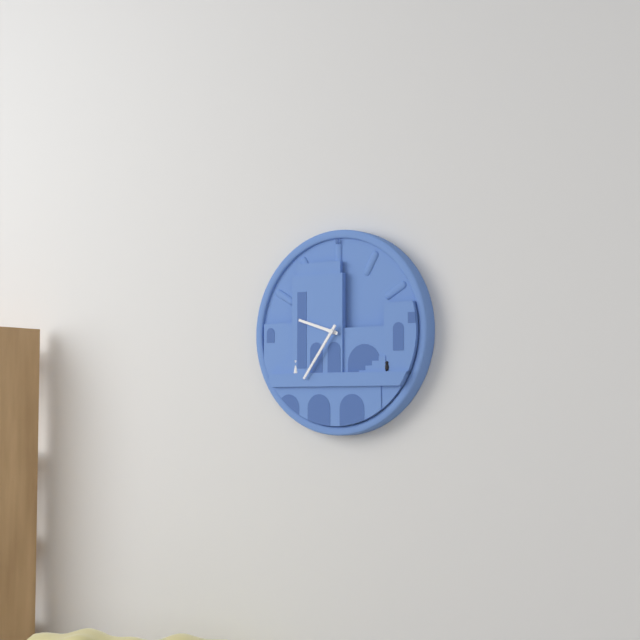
h=9 m=36
